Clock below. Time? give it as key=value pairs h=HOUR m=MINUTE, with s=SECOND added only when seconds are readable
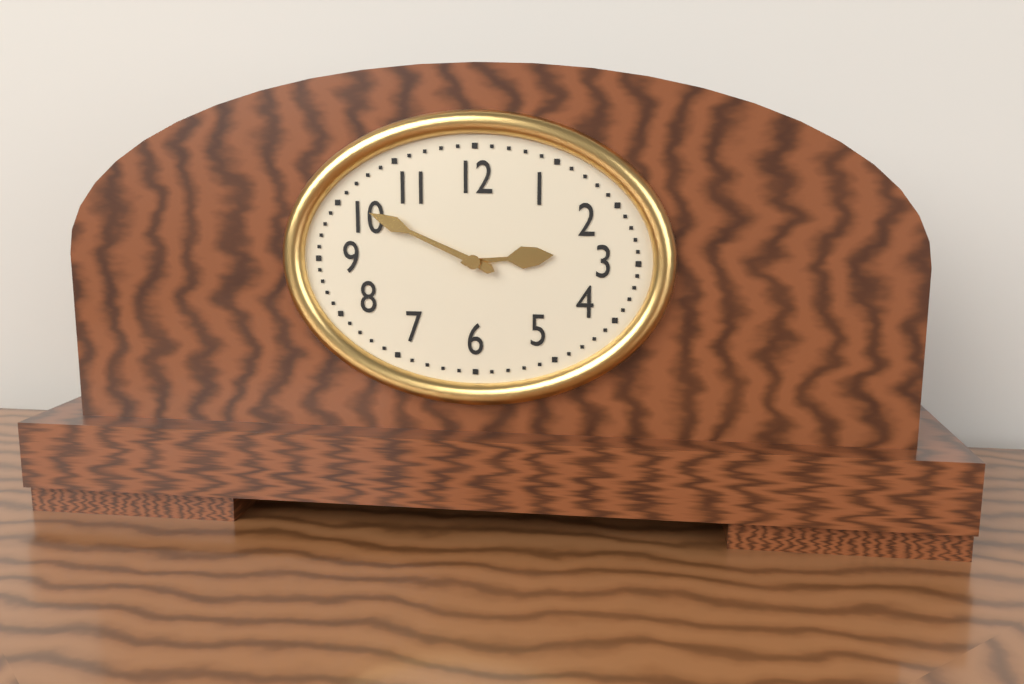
h=2 m=49
